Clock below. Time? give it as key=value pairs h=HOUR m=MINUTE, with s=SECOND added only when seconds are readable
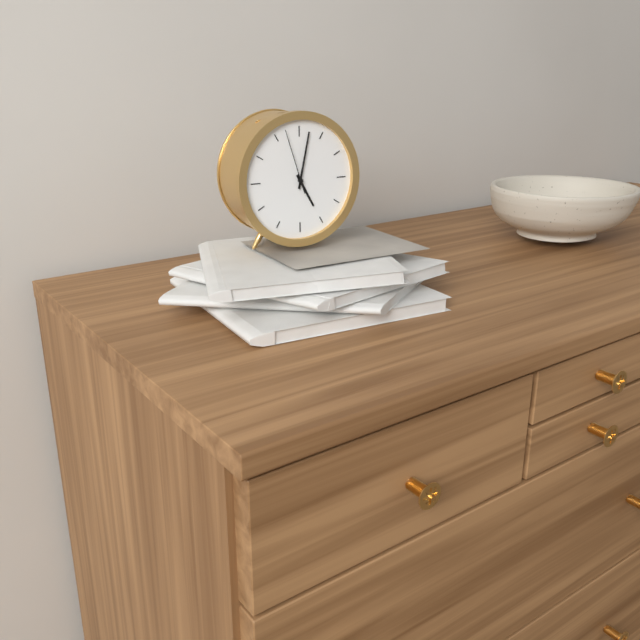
h=5 m=2 s=57
